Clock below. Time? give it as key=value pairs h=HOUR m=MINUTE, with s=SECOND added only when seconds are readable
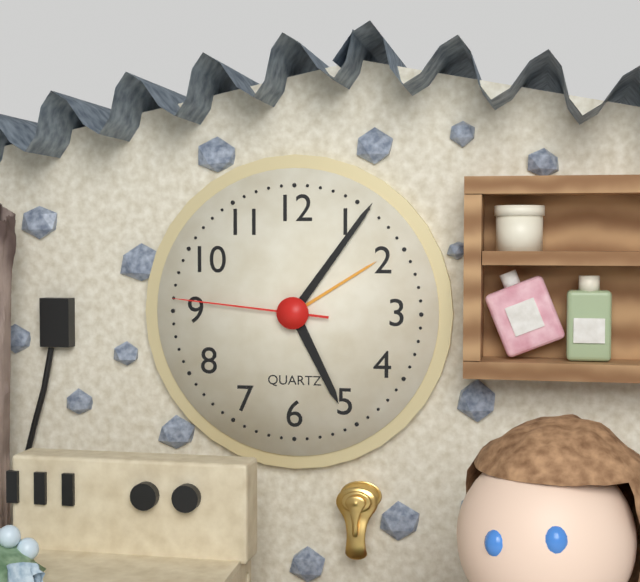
h=5 m=6 s=46
